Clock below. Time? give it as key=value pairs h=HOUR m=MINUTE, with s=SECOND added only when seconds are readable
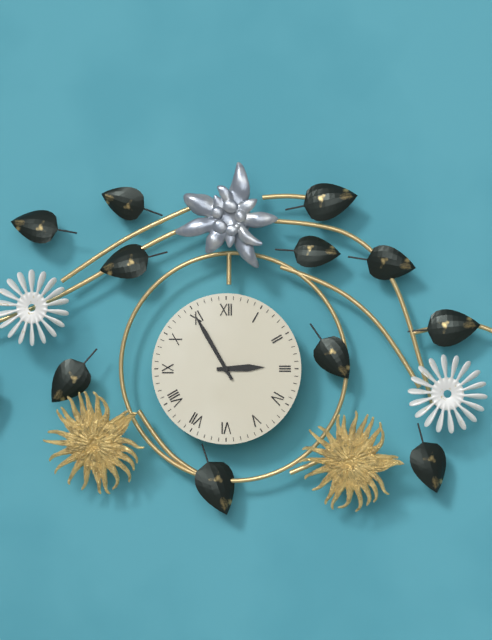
h=2 m=55
